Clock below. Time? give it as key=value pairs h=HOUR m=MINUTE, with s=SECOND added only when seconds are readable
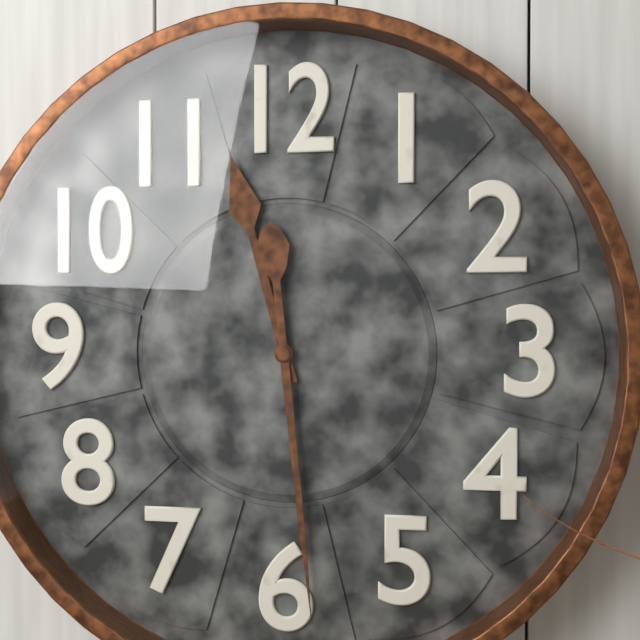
h=11 m=29
